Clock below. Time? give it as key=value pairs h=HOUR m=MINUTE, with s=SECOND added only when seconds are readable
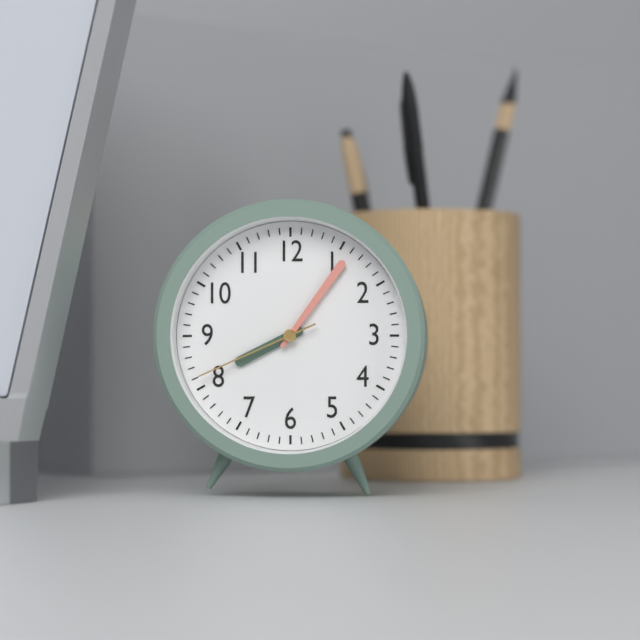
h=8 m=6 s=41
